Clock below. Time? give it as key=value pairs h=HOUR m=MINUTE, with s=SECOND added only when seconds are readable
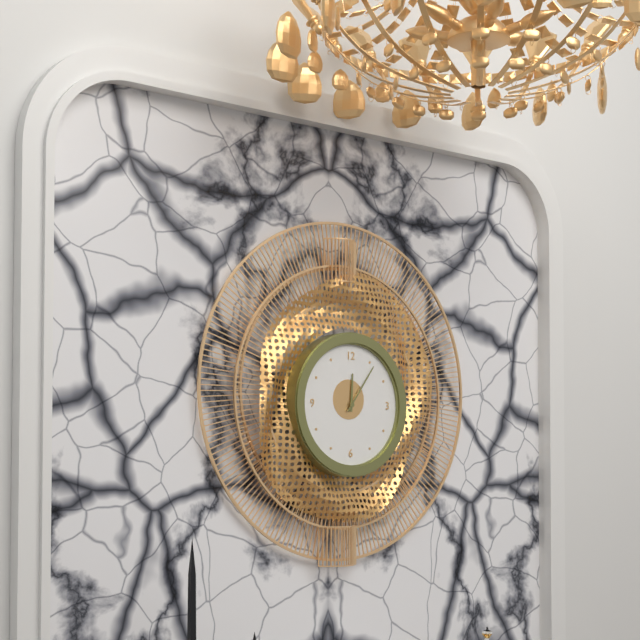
h=12 m=6
